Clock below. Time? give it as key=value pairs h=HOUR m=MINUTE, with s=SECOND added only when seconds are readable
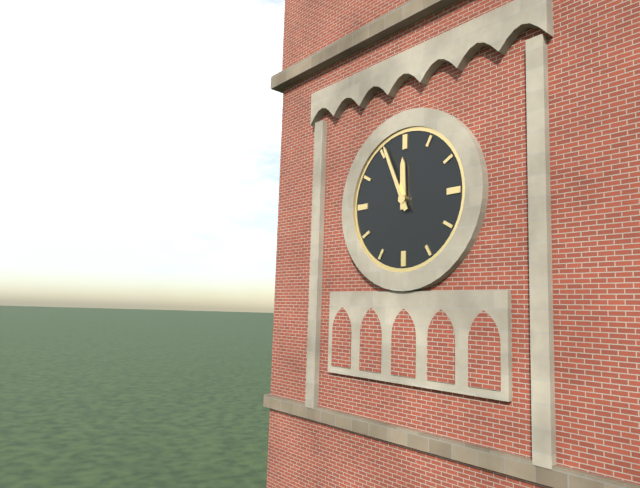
h=11 m=56
